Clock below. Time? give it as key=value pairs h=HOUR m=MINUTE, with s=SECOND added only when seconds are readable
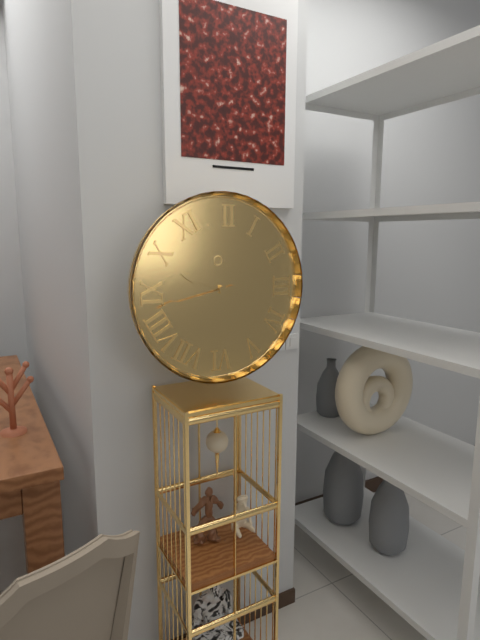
h=9 m=43
